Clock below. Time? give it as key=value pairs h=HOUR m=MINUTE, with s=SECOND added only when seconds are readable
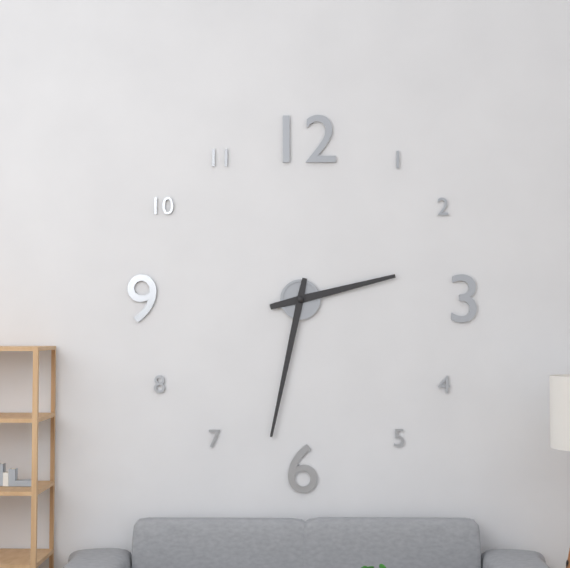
h=2 m=32
